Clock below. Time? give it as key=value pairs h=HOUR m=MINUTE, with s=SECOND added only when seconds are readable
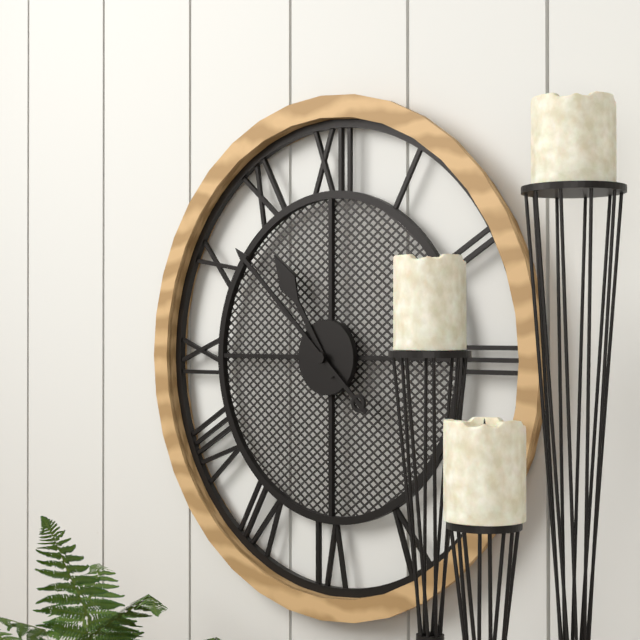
h=10 m=52
